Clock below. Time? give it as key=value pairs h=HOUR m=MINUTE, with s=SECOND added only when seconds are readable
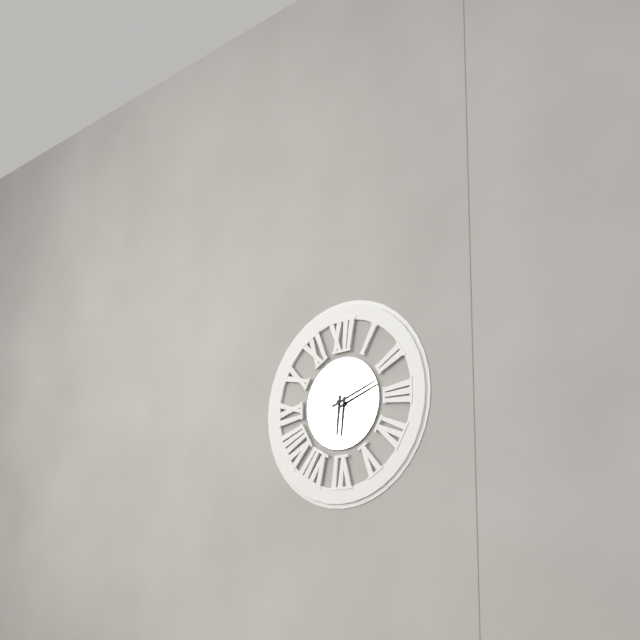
h=6 m=12
